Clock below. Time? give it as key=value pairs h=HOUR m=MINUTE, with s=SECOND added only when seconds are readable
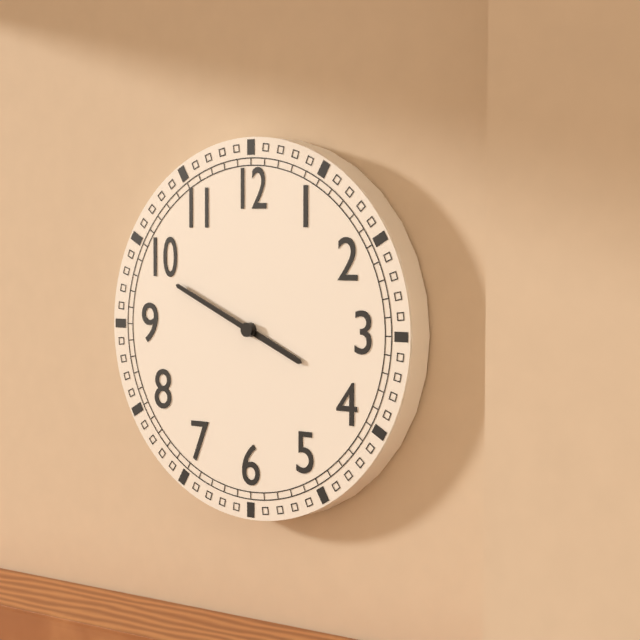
h=3 m=49
